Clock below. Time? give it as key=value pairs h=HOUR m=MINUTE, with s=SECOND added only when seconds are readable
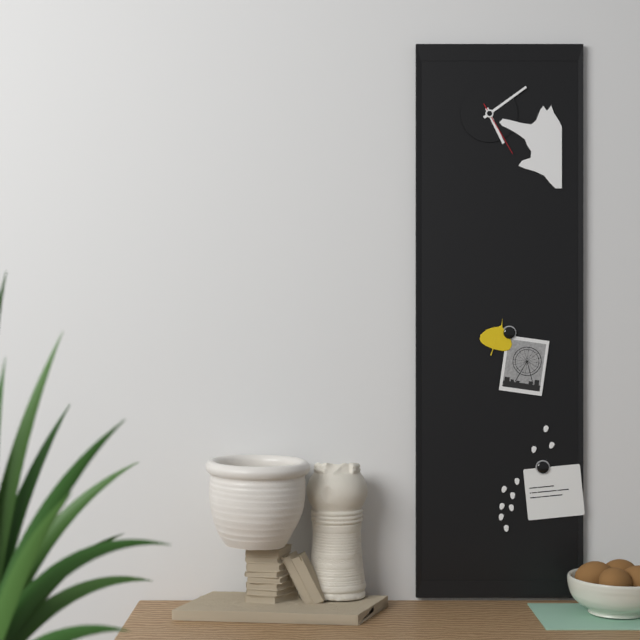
h=5 m=9 s=25
